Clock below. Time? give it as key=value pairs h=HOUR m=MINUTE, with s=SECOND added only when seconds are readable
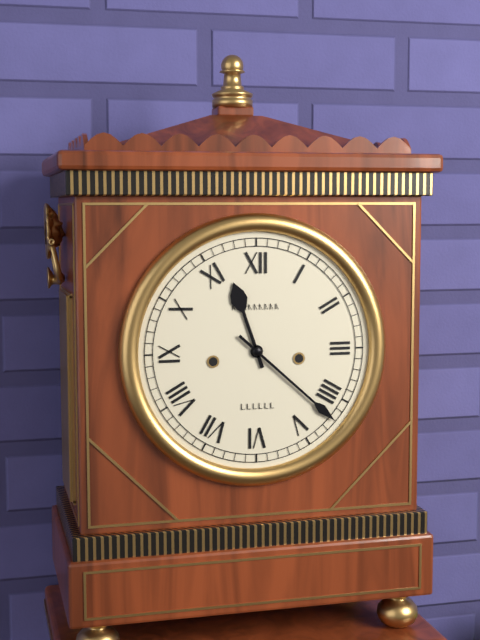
h=11 m=22
